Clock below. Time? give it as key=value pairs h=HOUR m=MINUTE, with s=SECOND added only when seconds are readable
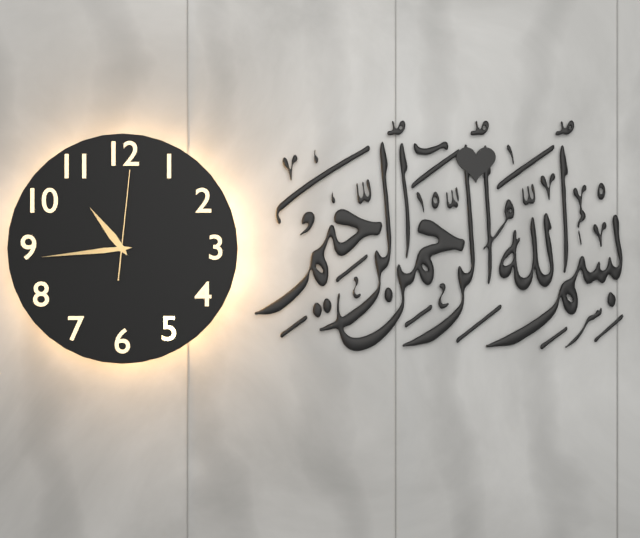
h=10 m=44 s=1
